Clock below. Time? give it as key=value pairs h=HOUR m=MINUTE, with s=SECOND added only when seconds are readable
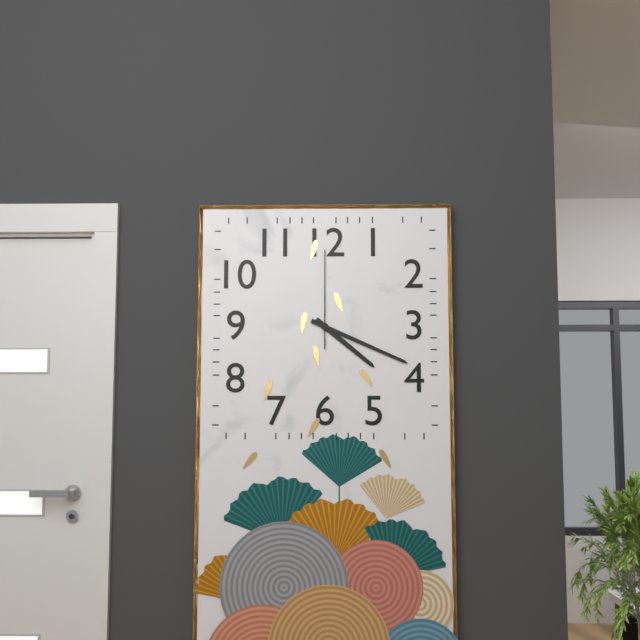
h=4 m=19 s=0
